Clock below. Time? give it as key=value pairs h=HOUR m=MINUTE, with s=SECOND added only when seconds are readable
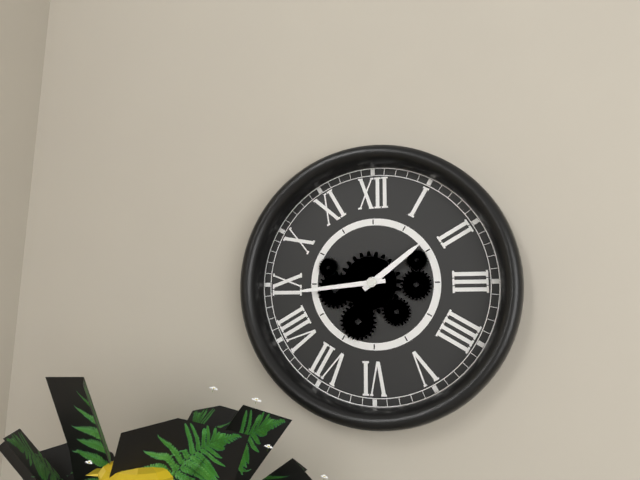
h=1 m=44
